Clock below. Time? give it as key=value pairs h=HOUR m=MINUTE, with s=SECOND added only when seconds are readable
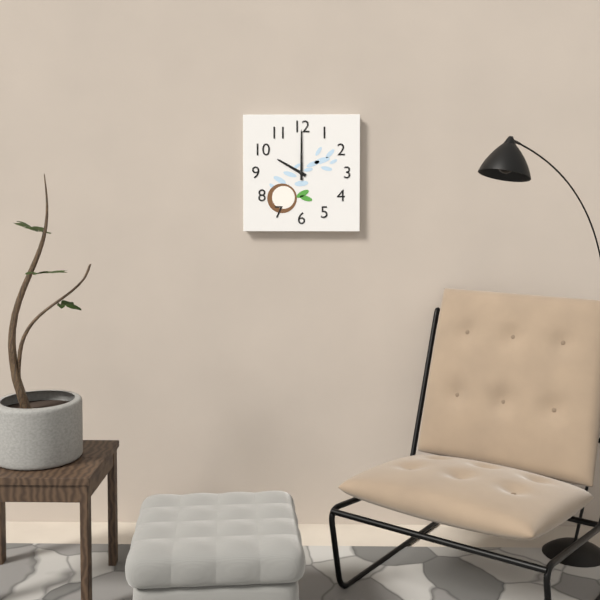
h=10 m=0
